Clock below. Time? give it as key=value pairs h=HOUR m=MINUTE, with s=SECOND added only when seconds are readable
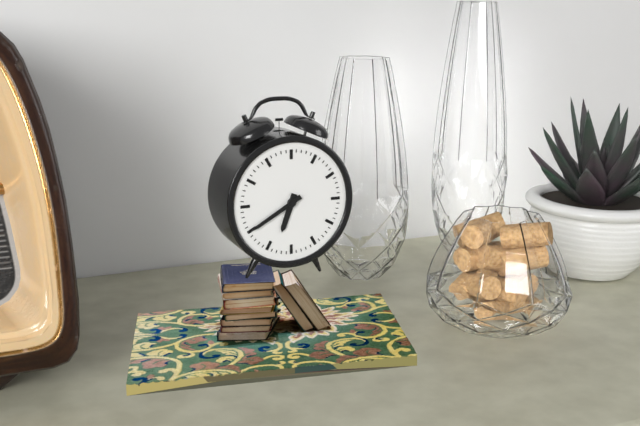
h=6 m=40
